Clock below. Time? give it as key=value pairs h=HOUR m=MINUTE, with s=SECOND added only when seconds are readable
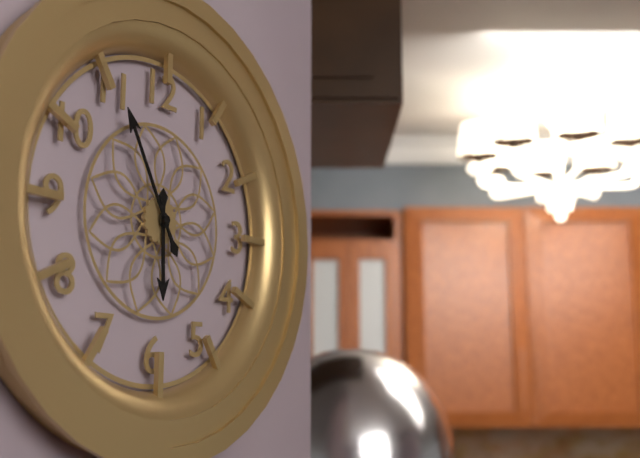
h=5 m=55
